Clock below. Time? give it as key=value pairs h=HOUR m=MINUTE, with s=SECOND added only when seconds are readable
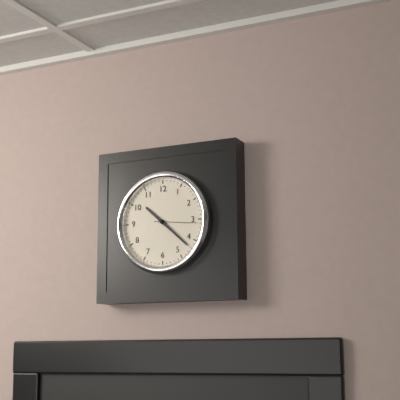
h=10 m=22
